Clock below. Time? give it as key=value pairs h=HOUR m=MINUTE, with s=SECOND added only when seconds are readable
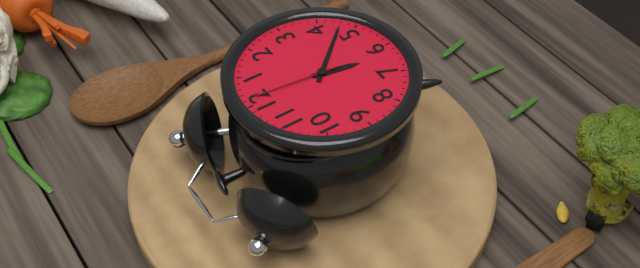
h=6 m=23 s=1
